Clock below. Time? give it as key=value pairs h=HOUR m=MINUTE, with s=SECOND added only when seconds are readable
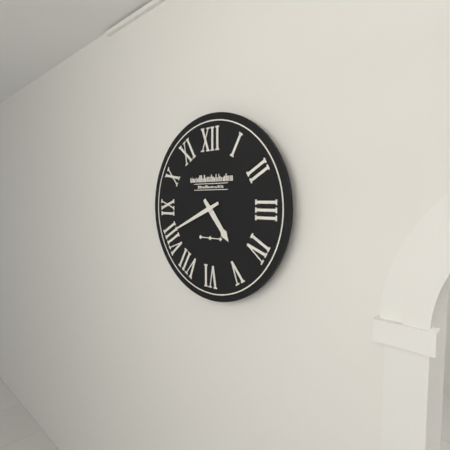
h=4 m=41
